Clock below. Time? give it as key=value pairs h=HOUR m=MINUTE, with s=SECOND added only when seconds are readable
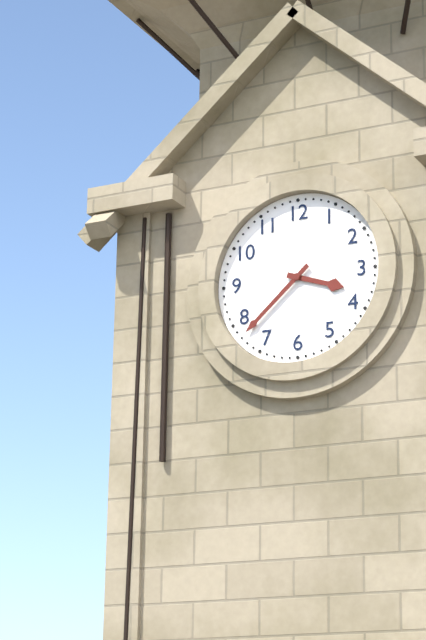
h=3 m=38
